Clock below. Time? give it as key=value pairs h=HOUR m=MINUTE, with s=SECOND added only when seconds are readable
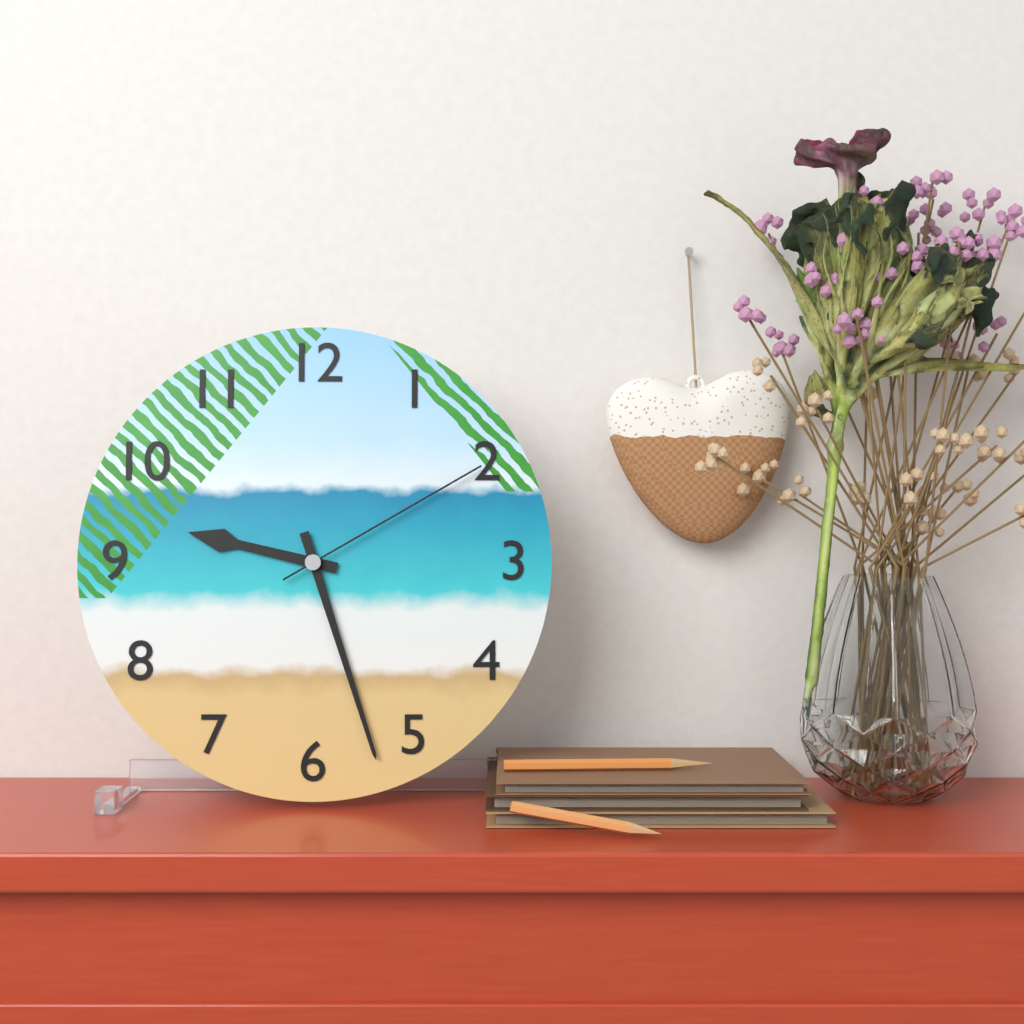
h=9 m=27 s=10
